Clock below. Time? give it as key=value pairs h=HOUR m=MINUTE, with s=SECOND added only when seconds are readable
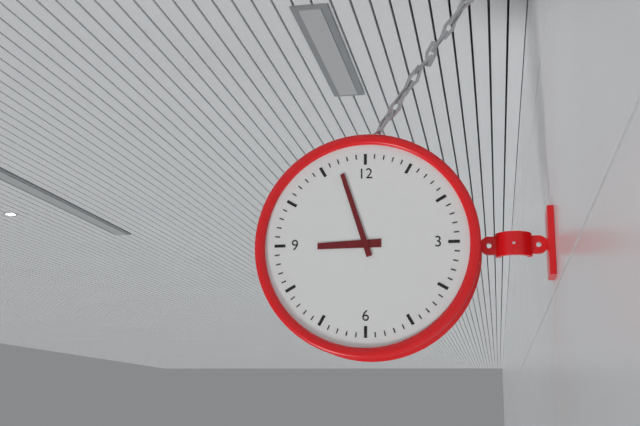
h=8 m=57
